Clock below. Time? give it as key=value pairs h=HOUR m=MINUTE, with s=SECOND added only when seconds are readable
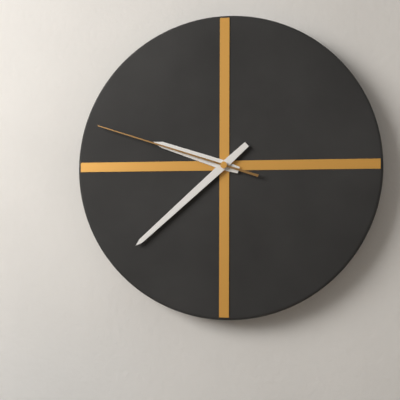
h=9 m=38 s=48
